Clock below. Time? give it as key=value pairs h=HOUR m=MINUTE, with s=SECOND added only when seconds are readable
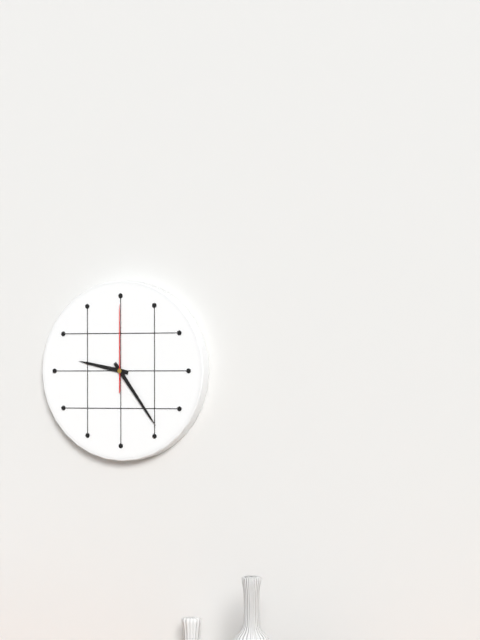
h=9 m=24 s=0
